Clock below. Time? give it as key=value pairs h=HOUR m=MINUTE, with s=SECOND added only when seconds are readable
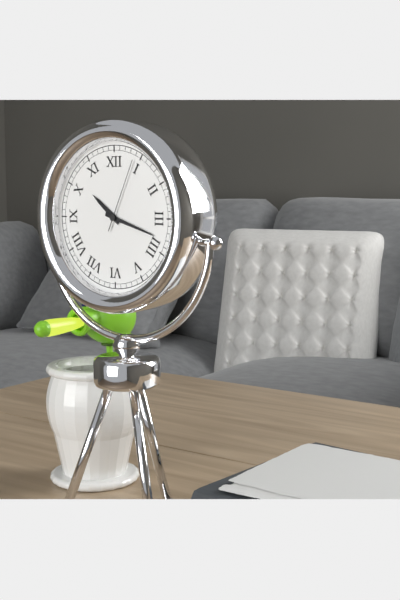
h=10 m=18 s=4
